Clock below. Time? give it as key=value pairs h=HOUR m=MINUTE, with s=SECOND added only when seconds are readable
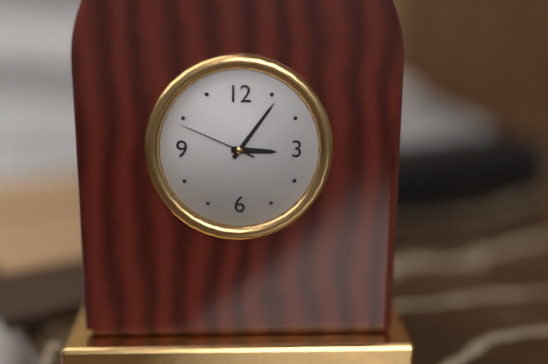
h=3 m=6 s=49
